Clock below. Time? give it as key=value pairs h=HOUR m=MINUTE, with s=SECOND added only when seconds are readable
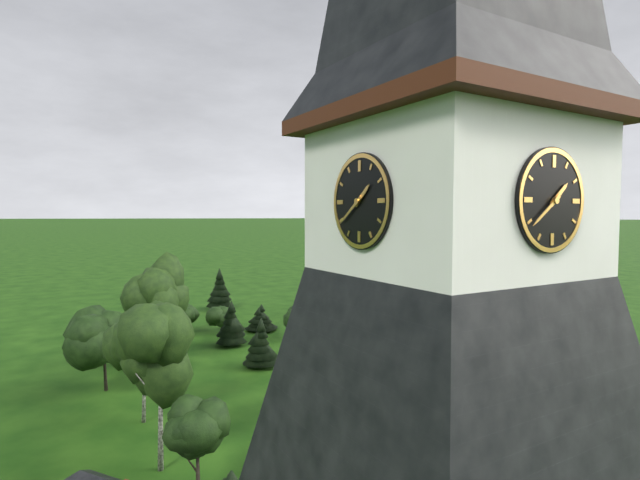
h=1 m=39
